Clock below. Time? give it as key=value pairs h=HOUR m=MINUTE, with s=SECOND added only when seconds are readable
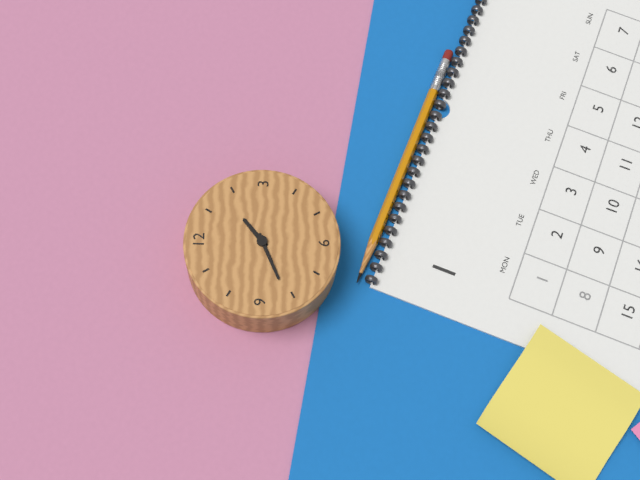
h=1 m=41
